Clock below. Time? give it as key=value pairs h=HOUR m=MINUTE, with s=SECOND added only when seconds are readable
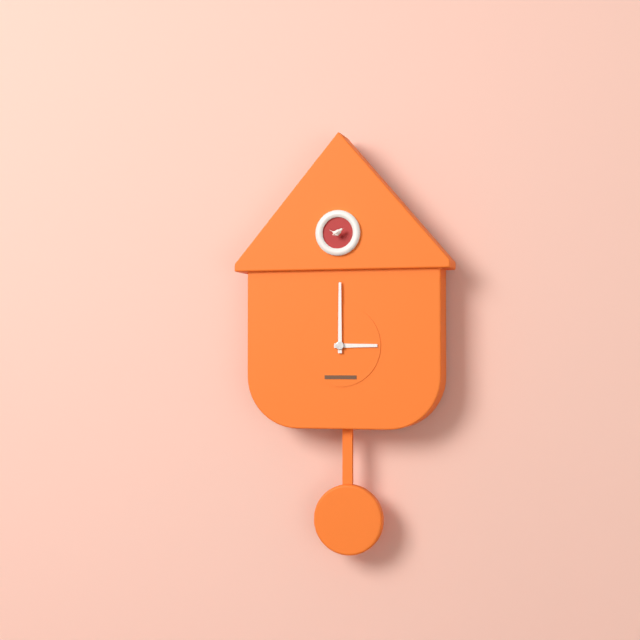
h=3 m=0
